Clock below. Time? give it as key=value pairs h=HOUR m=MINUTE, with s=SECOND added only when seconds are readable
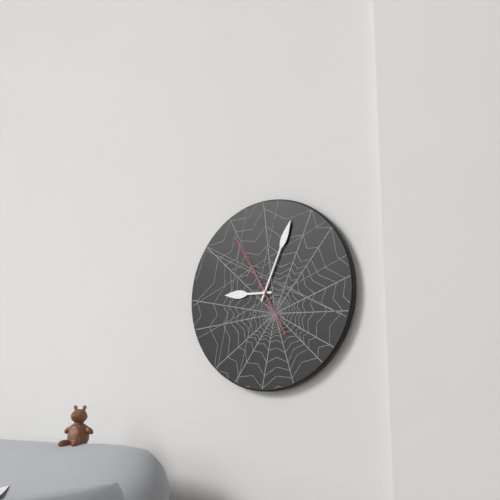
h=9 m=4 s=55
